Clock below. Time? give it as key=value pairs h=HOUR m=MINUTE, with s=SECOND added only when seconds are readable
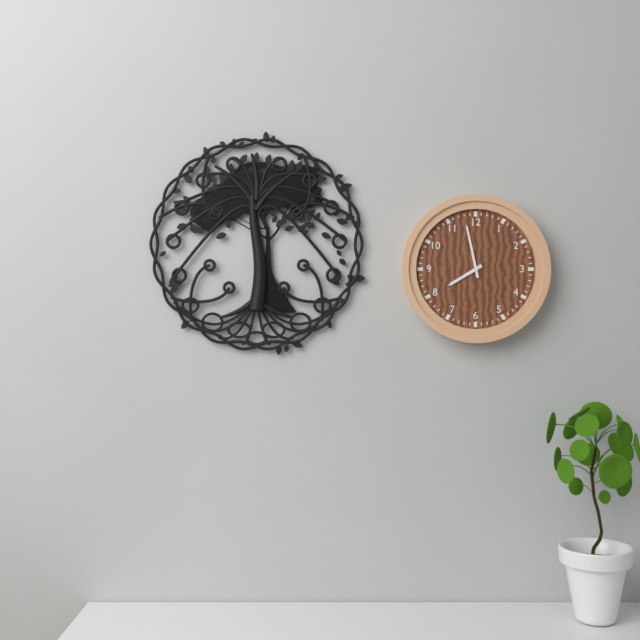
h=7 m=58
